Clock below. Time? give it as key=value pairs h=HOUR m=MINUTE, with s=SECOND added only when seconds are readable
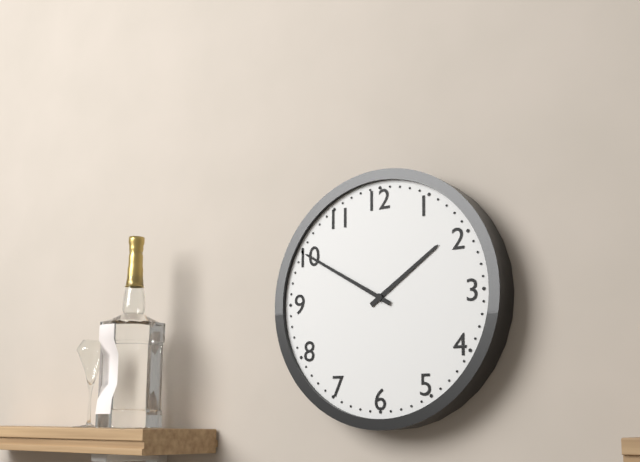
h=1 m=50
